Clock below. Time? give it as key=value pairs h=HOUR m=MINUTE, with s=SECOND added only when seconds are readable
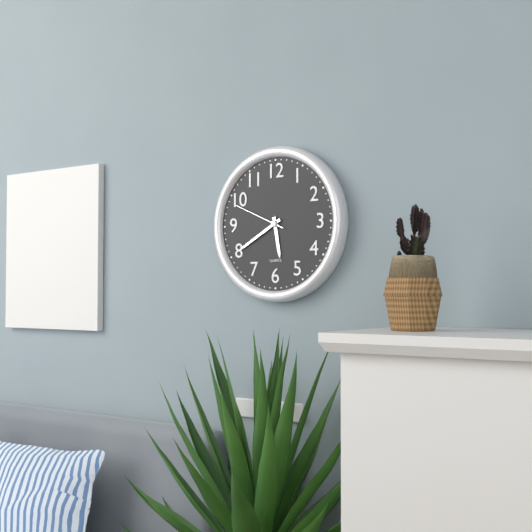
h=5 m=40 s=49
